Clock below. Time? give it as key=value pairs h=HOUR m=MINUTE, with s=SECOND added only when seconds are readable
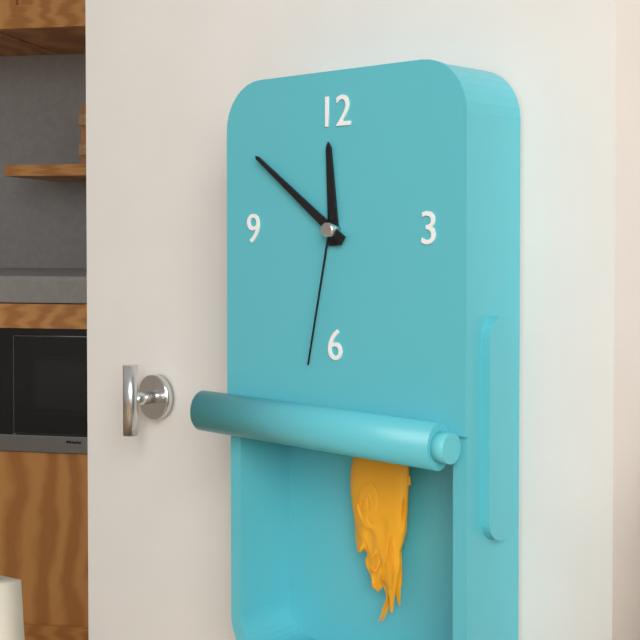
h=11 m=51 s=32
